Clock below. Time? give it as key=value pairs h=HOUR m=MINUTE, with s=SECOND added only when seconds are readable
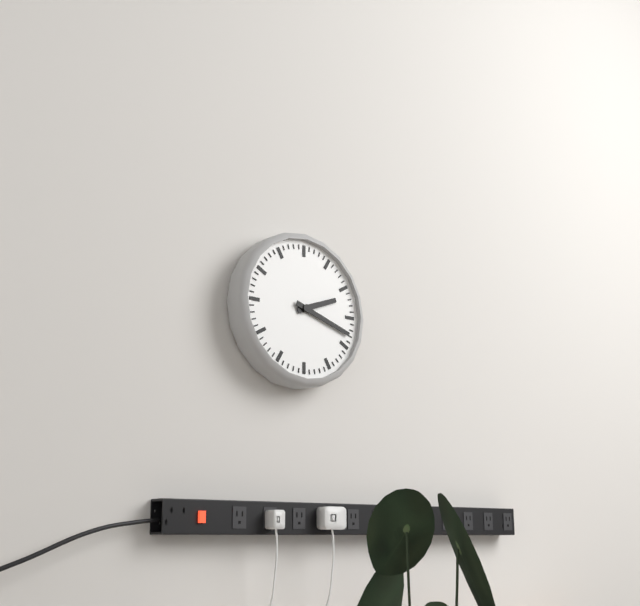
h=2 m=18
